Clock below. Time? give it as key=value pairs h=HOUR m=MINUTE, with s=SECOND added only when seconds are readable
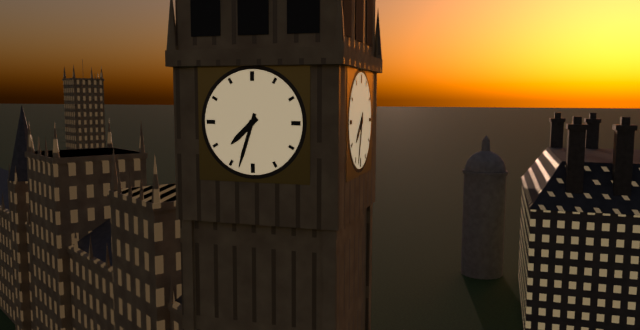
h=7 m=33
